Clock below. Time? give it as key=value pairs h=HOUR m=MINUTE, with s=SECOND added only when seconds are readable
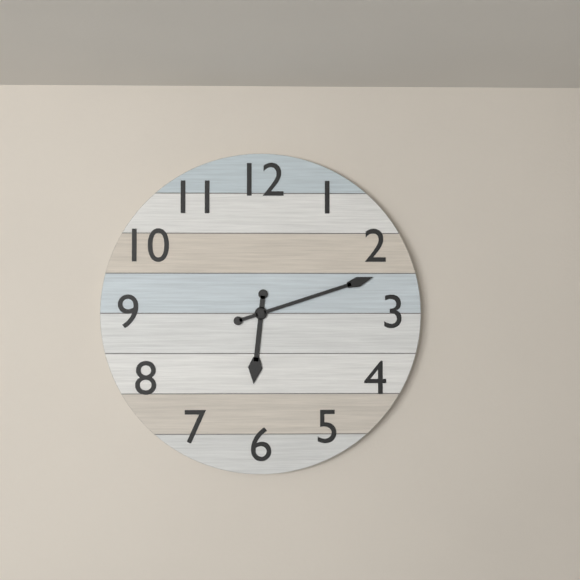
h=6 m=12
